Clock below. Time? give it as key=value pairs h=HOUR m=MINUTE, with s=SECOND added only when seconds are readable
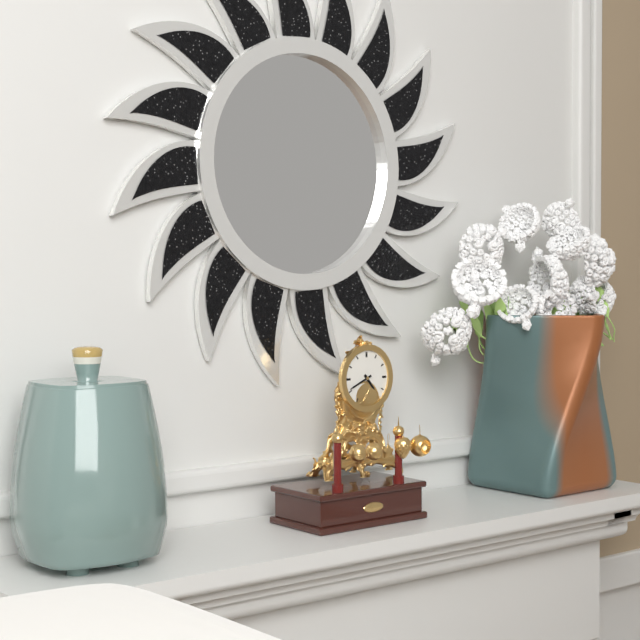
h=4 m=41
